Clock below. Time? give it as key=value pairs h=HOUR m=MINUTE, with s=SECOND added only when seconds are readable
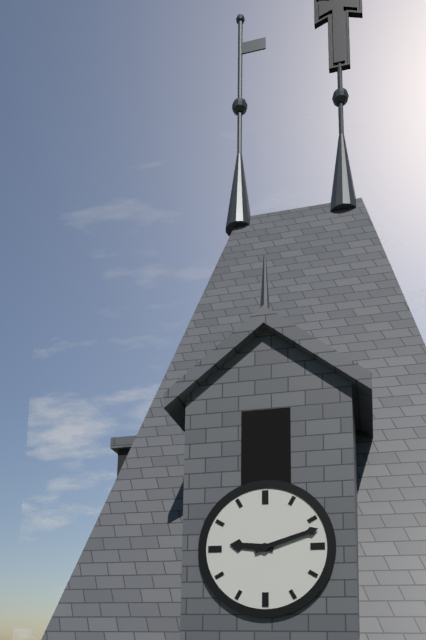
h=9 m=12
